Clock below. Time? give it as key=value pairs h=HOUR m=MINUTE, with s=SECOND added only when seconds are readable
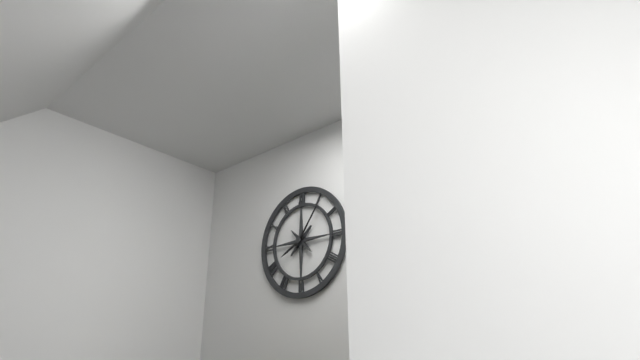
h=8 m=6
